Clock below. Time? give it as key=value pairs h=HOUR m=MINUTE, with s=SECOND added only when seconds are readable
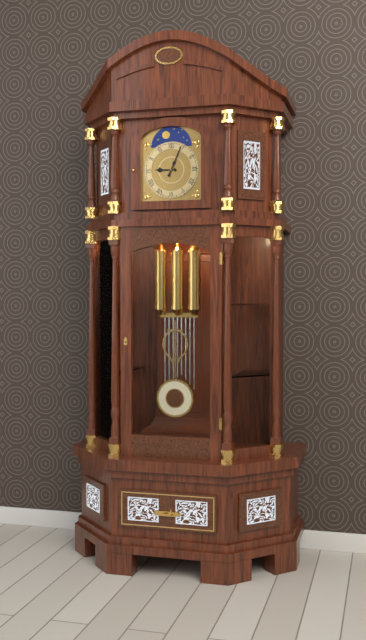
h=9 m=4
